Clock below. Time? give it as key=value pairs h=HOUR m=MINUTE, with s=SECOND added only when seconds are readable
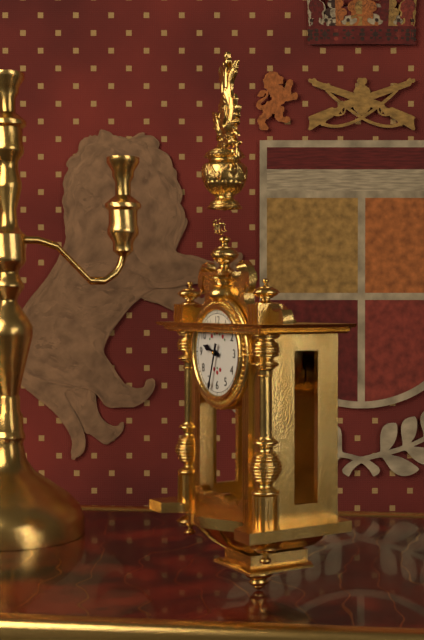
h=9 m=33
